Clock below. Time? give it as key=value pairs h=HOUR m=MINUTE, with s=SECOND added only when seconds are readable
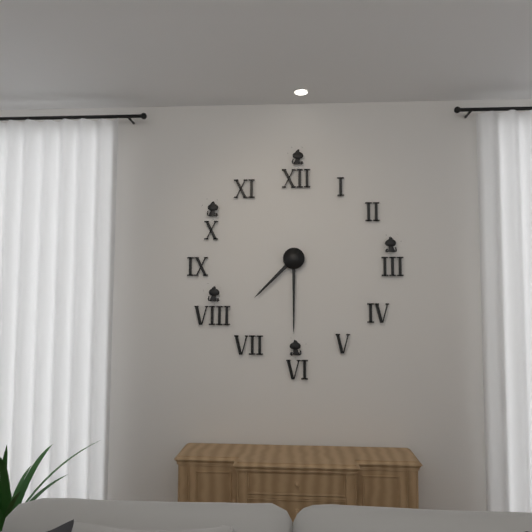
h=7 m=30
